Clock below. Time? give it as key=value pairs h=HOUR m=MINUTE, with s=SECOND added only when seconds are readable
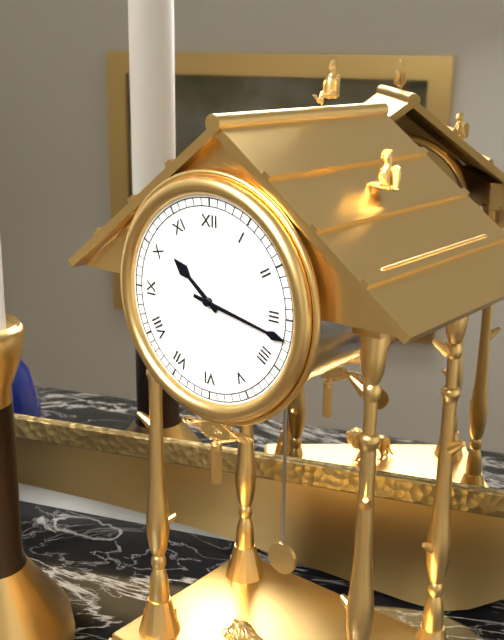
h=10 m=17
